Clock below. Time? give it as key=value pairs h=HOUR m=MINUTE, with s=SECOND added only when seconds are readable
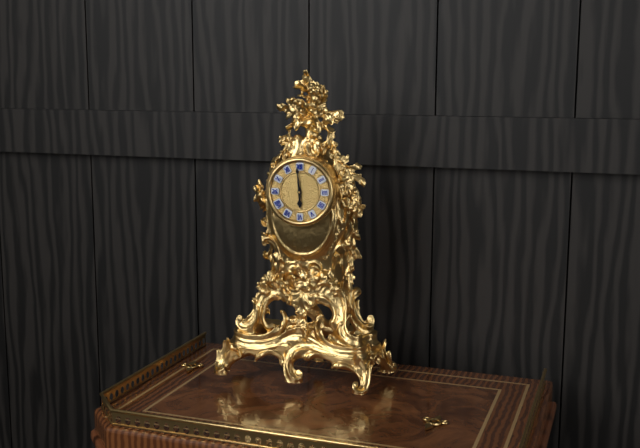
h=5 m=59
